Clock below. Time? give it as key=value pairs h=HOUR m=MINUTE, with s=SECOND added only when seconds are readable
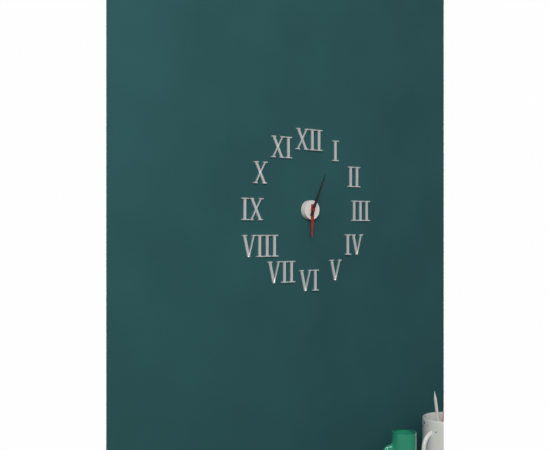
h=6 m=4
